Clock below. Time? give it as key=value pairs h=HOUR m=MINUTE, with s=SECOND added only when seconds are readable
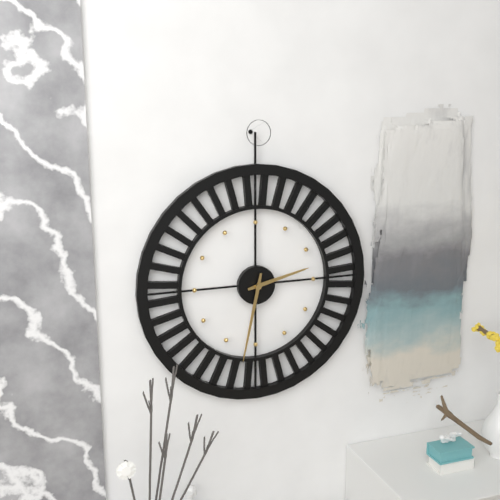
h=2 m=32
